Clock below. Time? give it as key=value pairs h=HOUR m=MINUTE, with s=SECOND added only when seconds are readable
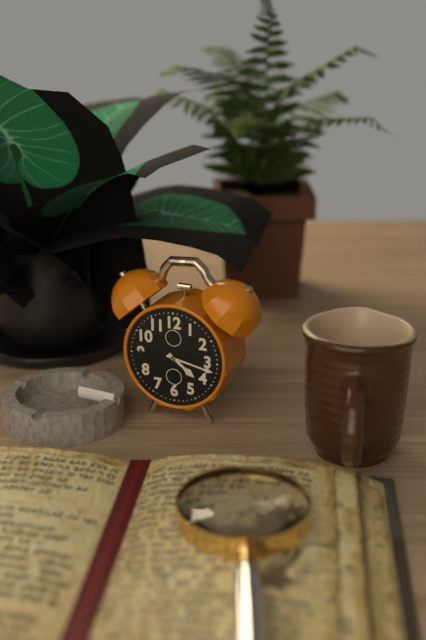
h=4 m=17
